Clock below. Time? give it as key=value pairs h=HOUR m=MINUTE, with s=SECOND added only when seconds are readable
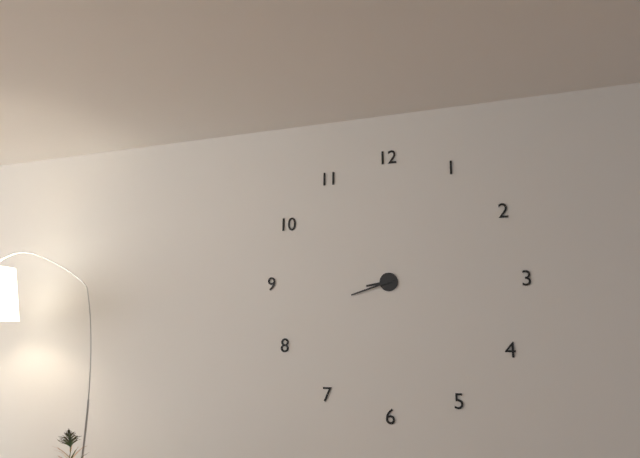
h=8 m=42
